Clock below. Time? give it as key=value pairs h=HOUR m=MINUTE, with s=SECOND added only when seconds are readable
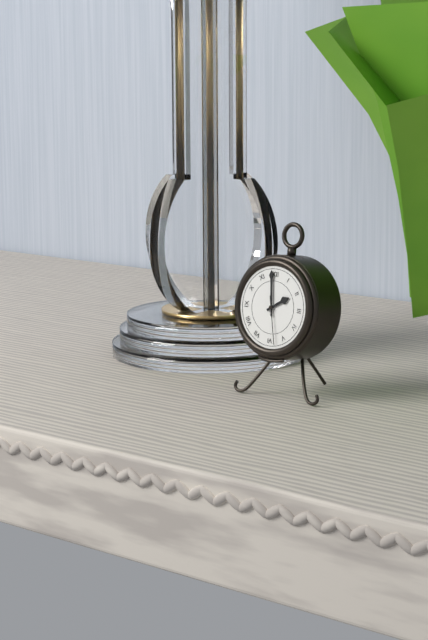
h=1 m=59
